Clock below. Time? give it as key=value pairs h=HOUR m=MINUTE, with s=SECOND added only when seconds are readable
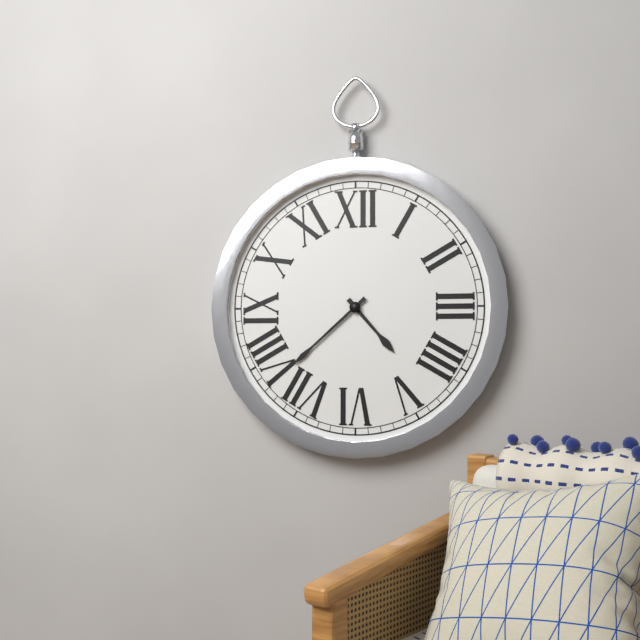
h=4 m=38
